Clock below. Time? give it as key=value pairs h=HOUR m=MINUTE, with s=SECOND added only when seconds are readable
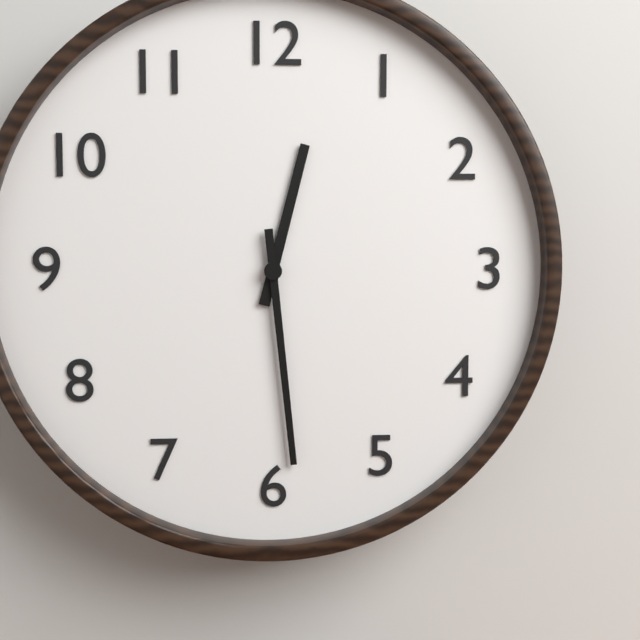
h=12 m=29
